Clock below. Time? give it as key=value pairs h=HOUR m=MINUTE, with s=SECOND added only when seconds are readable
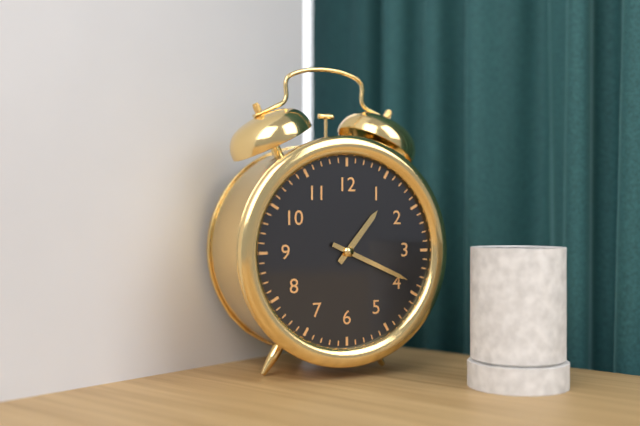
h=1 m=19
